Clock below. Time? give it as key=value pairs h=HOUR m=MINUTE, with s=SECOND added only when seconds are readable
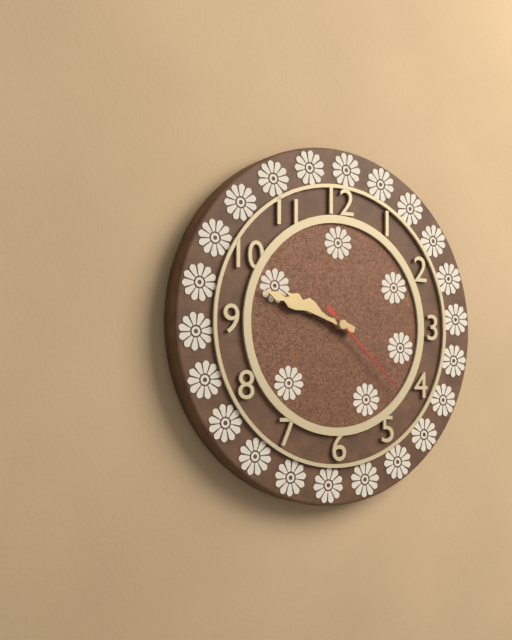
h=9 m=48 s=22
